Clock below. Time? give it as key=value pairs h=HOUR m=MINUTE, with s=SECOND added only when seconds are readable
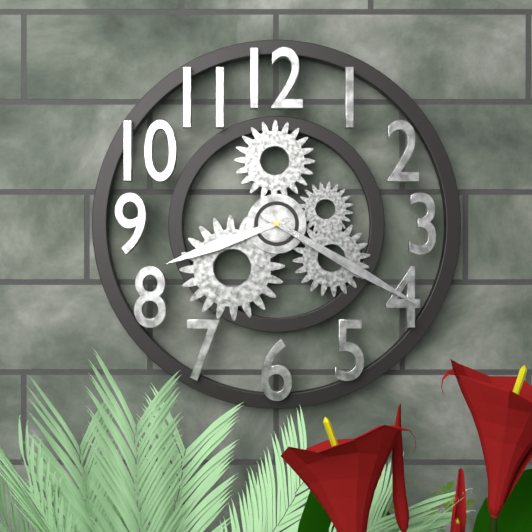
h=8 m=20
